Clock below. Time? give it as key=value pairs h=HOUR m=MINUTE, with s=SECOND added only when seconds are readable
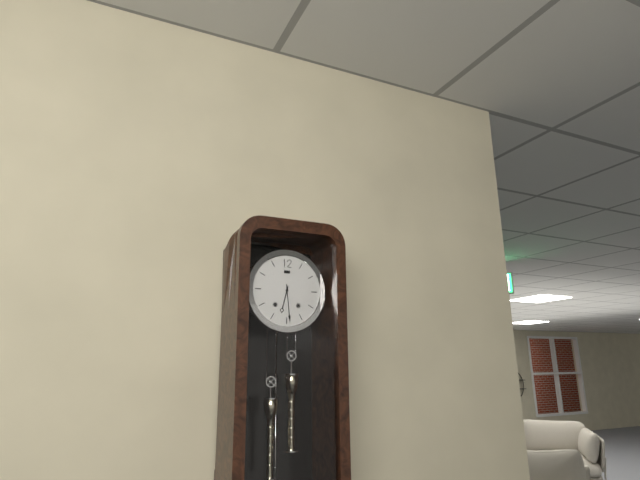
h=6 m=29
